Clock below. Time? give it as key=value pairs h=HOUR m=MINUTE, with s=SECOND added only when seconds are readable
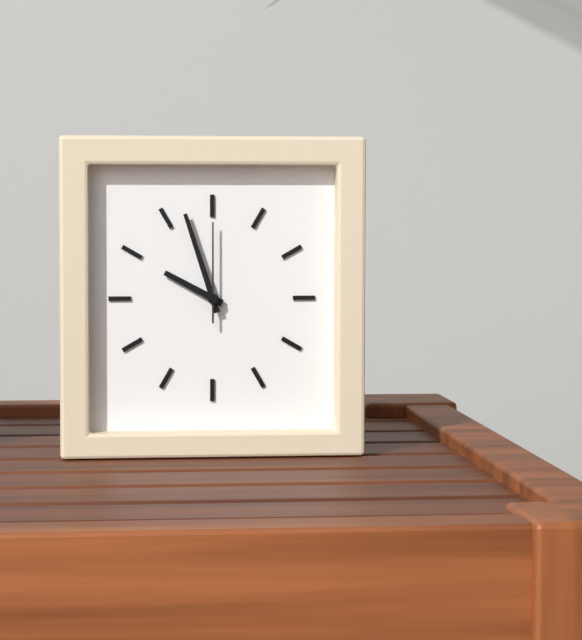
h=9 m=57 s=0
